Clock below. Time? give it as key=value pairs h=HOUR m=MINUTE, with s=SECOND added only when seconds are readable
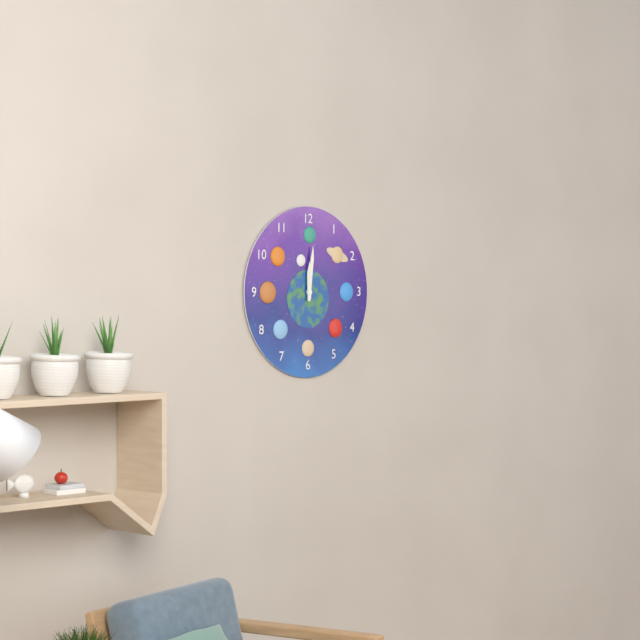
h=12 m=1
